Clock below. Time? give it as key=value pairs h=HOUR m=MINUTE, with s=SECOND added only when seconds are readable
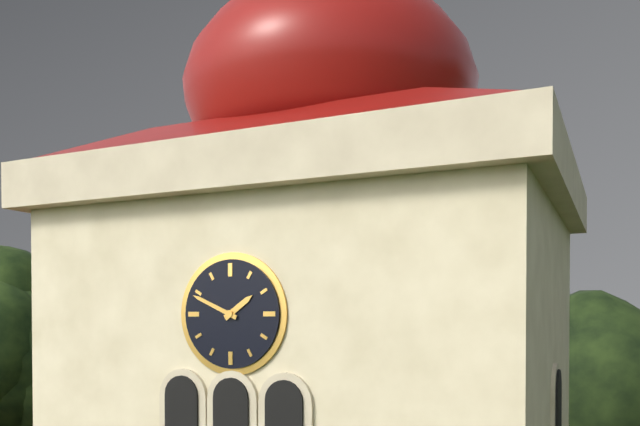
h=1 m=49
